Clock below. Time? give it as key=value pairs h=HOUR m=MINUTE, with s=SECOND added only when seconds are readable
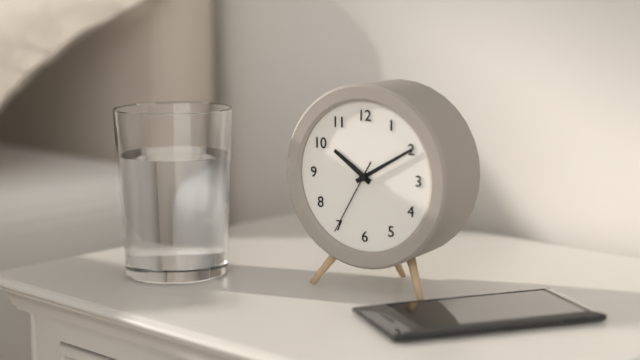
h=10 m=10 s=35
